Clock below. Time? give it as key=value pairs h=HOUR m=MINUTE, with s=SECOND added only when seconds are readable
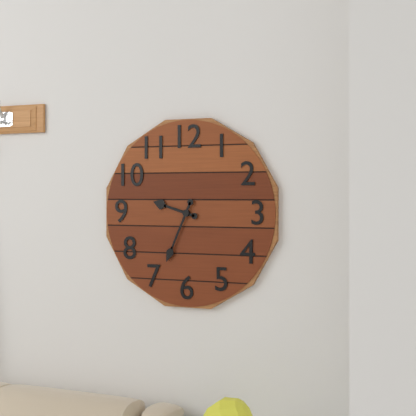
h=9 m=34
